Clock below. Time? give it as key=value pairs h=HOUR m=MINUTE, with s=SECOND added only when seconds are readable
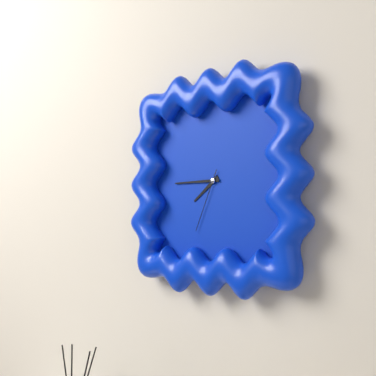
h=7 m=45 s=34
